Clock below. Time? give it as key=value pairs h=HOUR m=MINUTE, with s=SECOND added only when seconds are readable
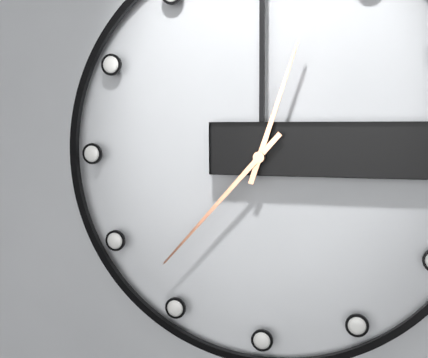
h=12 m=37
